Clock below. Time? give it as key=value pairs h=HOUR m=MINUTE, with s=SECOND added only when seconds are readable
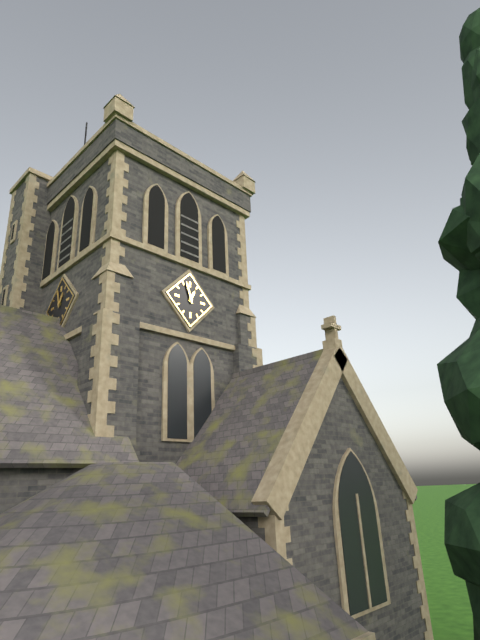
h=12 m=57
